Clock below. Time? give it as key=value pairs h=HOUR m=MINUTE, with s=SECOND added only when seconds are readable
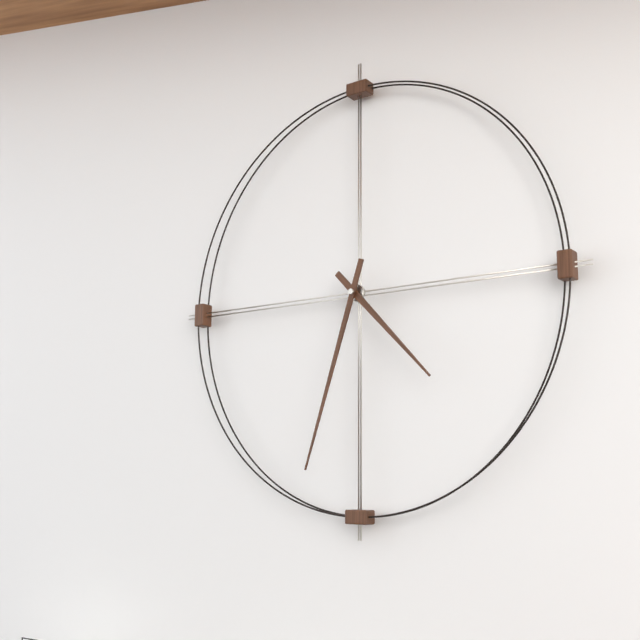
h=4 m=33
